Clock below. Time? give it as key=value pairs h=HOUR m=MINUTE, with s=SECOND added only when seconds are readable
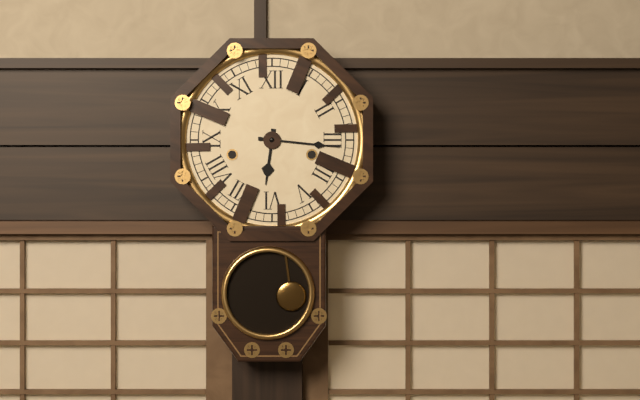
h=6 m=16
